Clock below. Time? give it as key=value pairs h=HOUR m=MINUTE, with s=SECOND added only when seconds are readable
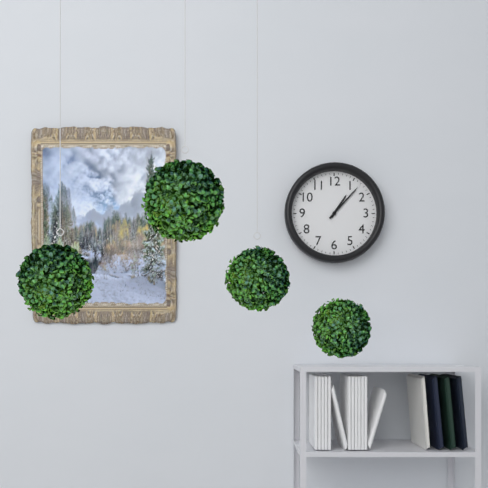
h=1 m=7
